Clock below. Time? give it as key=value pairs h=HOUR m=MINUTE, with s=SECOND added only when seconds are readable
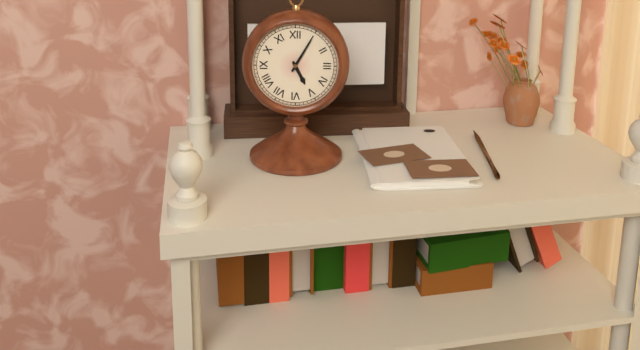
h=5 m=5
